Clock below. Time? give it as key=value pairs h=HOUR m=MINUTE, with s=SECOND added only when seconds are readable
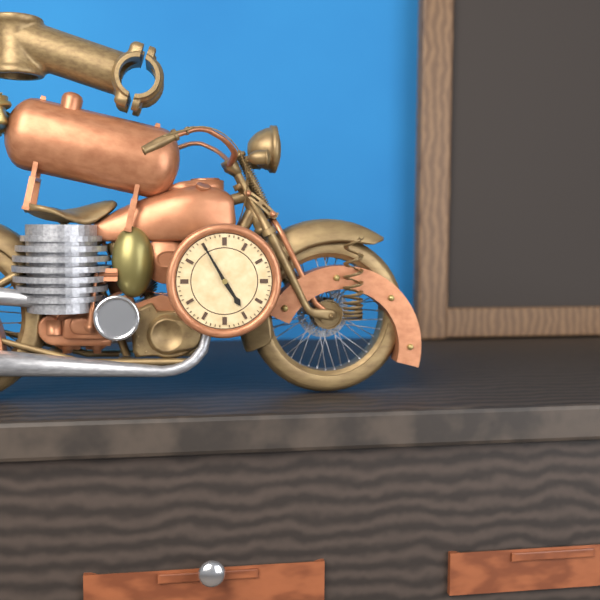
h=4 m=55
